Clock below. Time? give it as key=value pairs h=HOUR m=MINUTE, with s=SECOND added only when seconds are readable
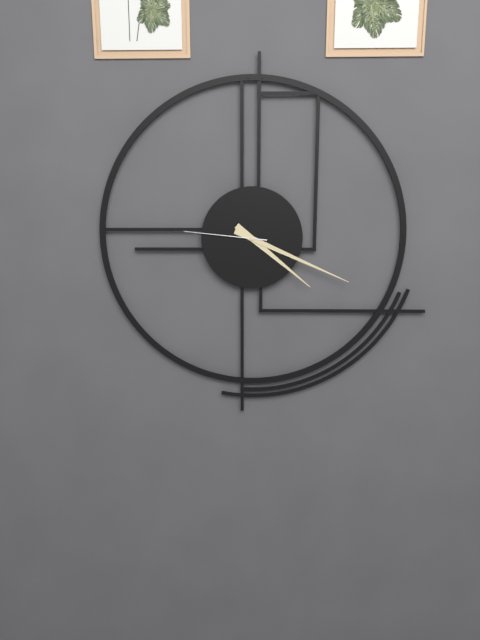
h=4 m=19 s=46
